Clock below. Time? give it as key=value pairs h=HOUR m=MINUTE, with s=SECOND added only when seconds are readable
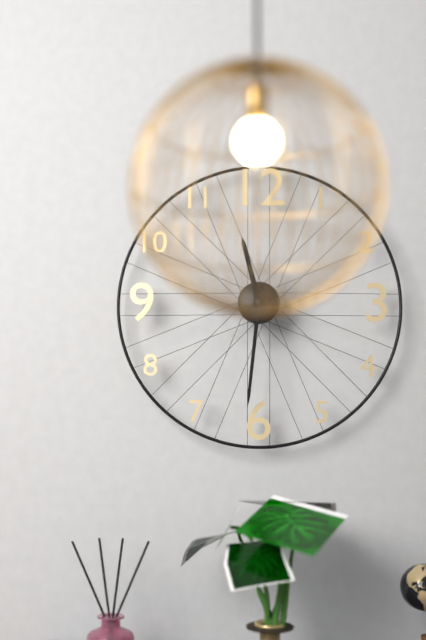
h=11 m=31
